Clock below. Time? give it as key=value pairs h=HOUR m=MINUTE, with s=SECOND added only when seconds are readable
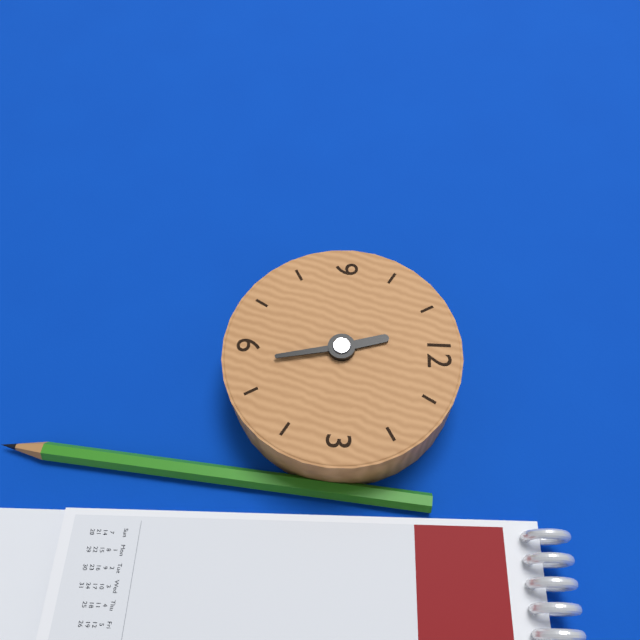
h=11 m=28
